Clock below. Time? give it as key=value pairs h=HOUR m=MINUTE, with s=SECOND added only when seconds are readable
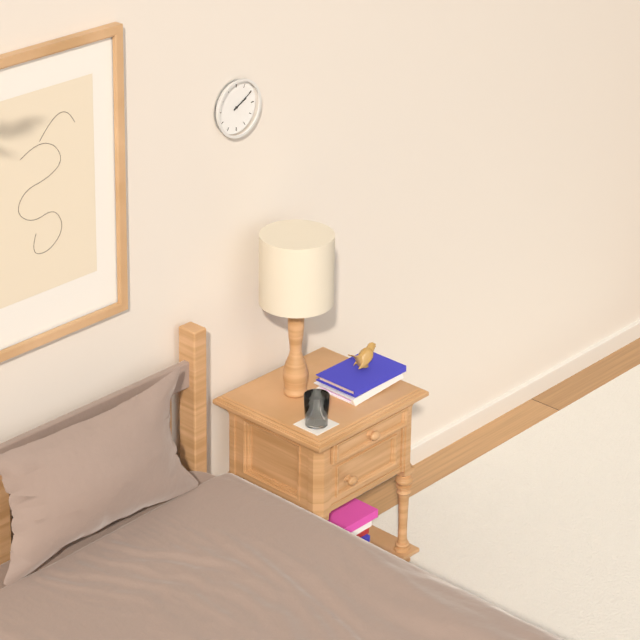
h=2 m=10
